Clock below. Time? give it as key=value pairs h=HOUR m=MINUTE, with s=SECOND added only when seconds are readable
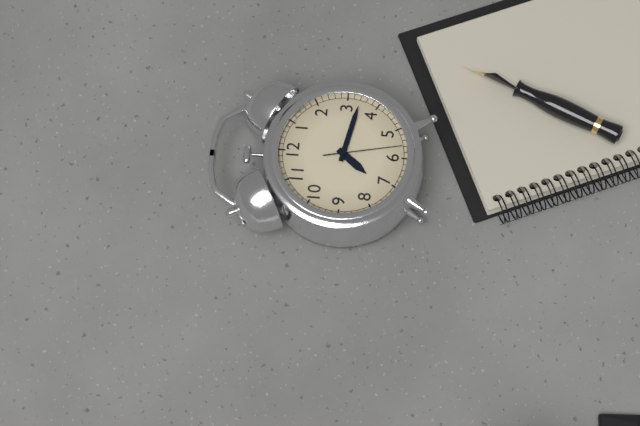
h=7 m=17 s=28
